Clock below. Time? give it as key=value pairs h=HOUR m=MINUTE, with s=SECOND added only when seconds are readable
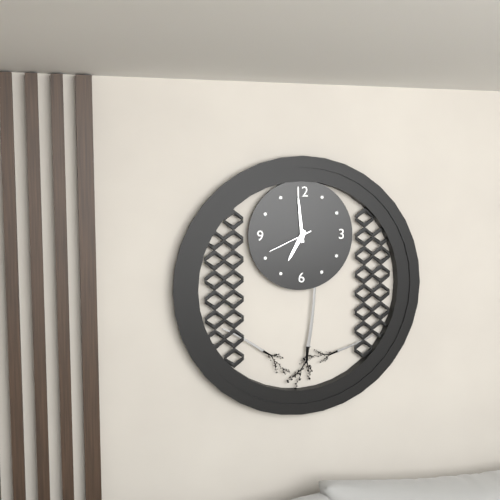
h=6 m=59
